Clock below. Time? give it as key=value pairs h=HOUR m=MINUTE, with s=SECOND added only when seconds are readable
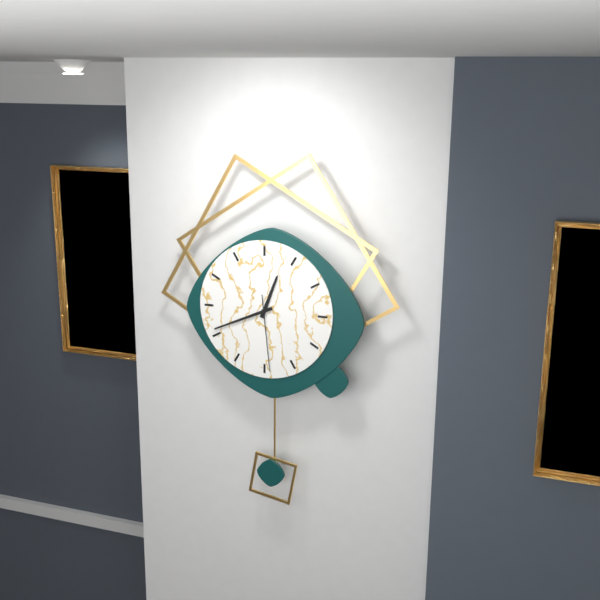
h=12 m=41 s=29
